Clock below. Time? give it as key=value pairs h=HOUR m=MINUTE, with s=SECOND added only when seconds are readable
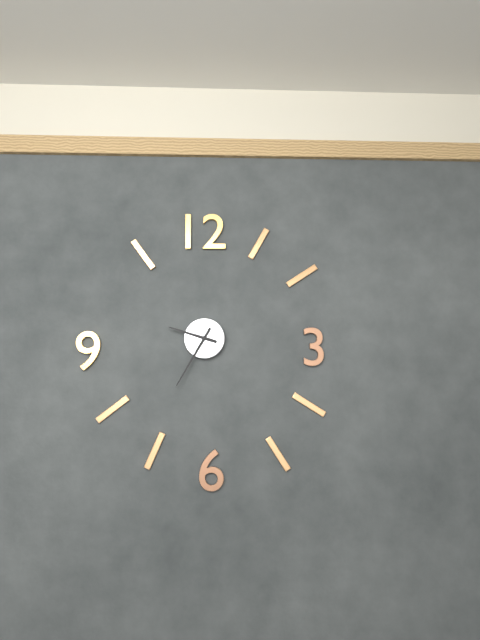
h=9 m=35
